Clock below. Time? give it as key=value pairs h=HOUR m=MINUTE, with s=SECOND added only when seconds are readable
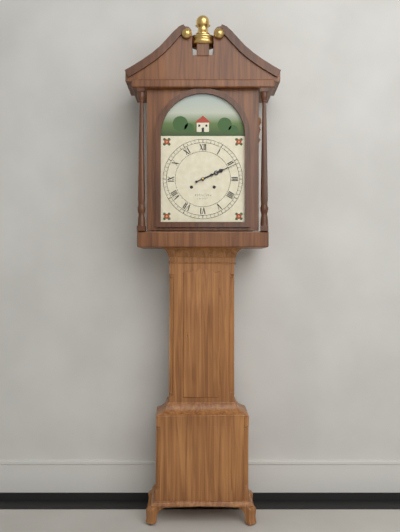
h=2 m=11
